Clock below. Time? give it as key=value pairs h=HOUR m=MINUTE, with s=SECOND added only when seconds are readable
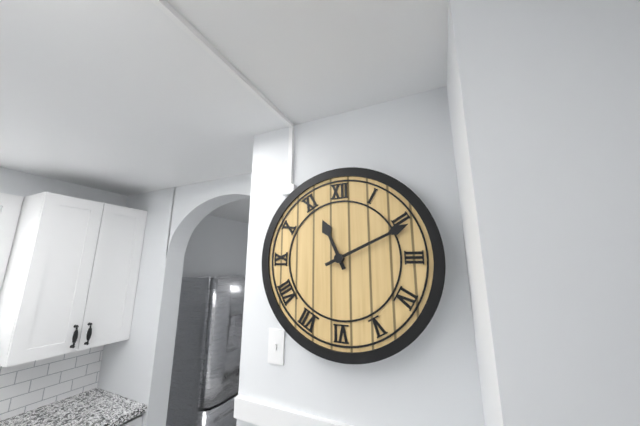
h=11 m=11
